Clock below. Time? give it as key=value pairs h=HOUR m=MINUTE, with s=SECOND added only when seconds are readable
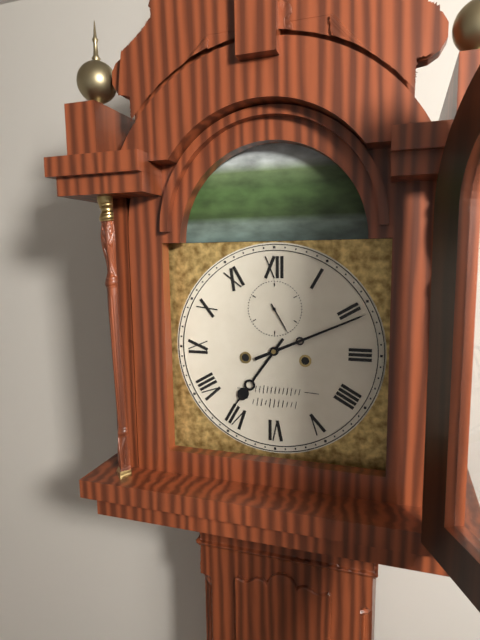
h=7 m=11
